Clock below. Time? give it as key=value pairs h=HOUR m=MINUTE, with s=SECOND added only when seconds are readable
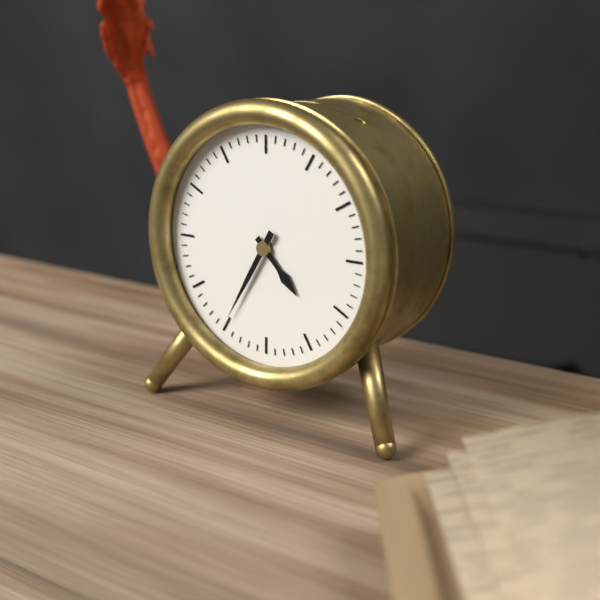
h=4 m=35
